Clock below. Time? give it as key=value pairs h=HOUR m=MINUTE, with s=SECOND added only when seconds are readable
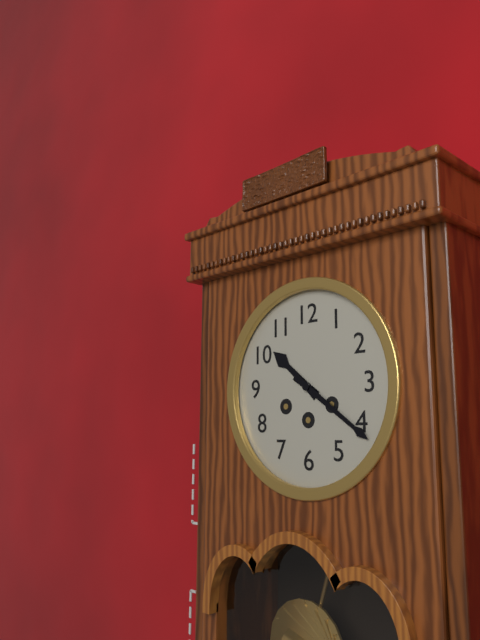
h=10 m=21
